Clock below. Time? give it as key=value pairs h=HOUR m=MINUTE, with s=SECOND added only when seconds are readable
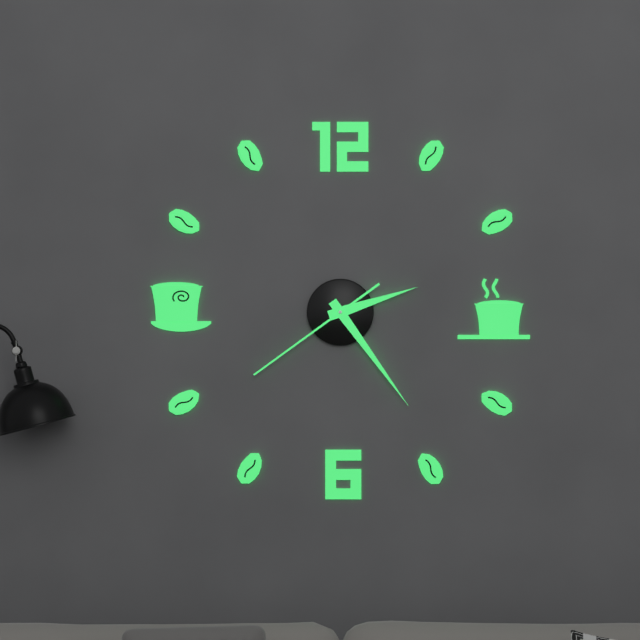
h=2 m=24 s=39
